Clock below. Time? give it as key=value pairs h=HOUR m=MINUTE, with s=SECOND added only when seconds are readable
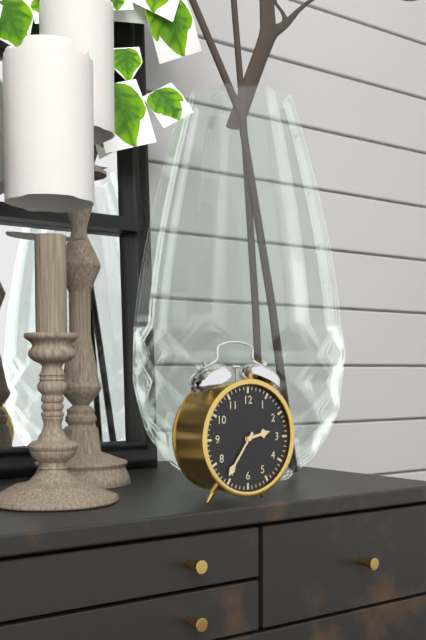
h=2 m=36
